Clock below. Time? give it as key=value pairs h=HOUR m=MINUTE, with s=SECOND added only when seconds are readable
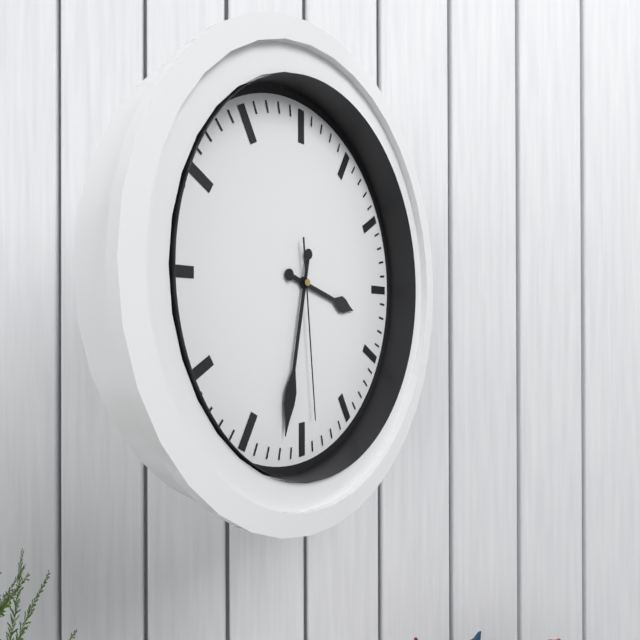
h=3 m=32 s=29
